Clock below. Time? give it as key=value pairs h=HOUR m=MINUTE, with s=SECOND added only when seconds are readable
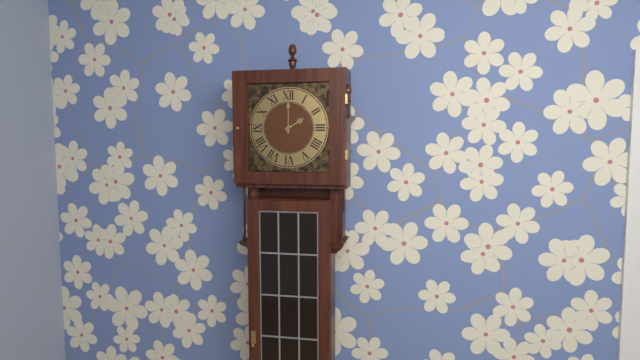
h=2 m=0
